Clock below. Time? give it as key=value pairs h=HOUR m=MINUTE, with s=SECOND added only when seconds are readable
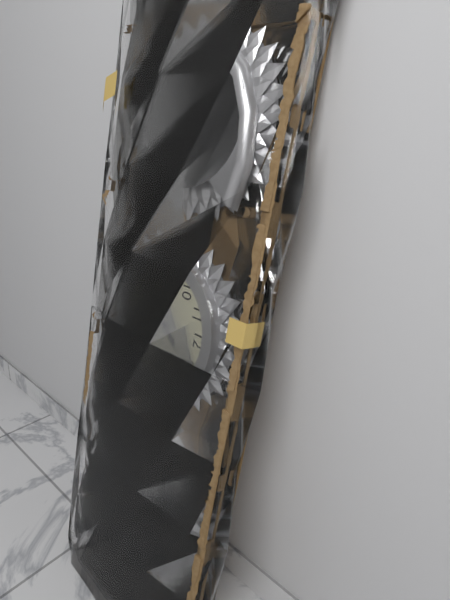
h=1 m=33
